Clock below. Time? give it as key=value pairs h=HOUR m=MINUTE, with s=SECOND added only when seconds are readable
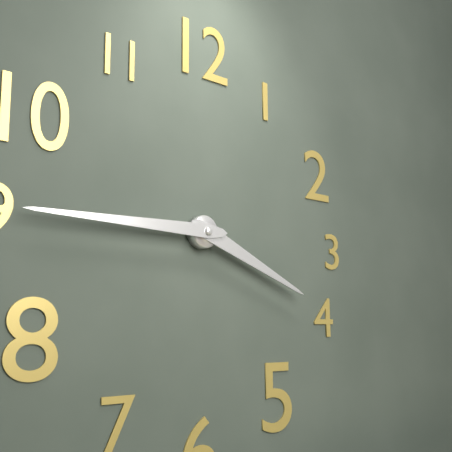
h=3 m=45
